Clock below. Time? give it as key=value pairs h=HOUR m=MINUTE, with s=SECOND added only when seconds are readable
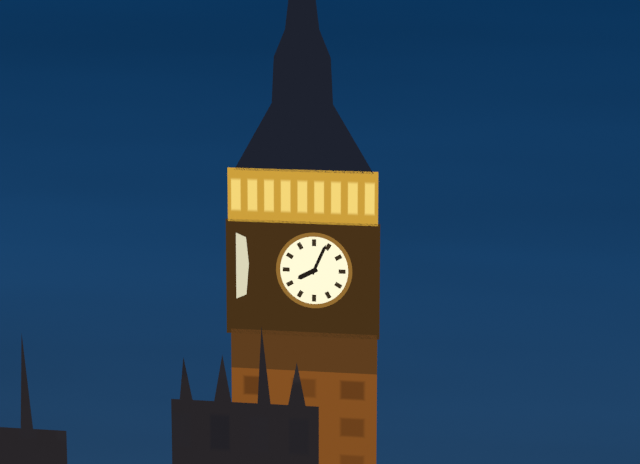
h=8 m=4
